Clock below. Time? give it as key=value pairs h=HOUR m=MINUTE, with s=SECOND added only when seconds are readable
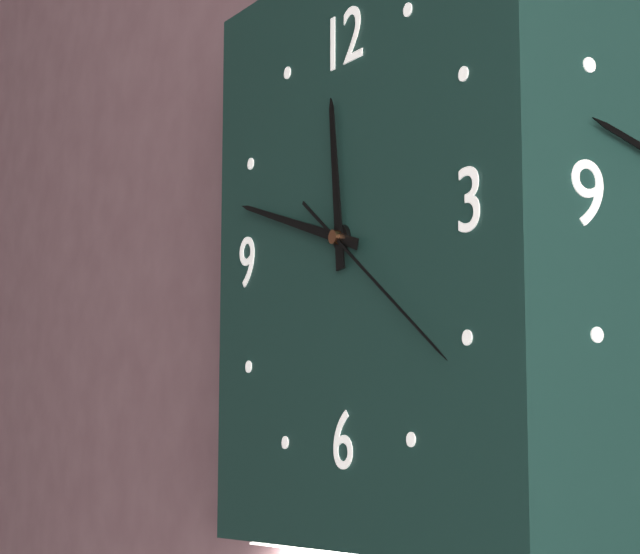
h=11 m=48 s=21
